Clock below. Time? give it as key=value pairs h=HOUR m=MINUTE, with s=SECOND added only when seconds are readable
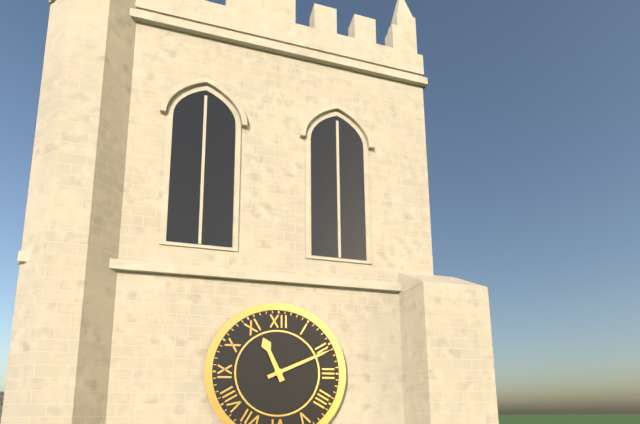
h=11 m=11
